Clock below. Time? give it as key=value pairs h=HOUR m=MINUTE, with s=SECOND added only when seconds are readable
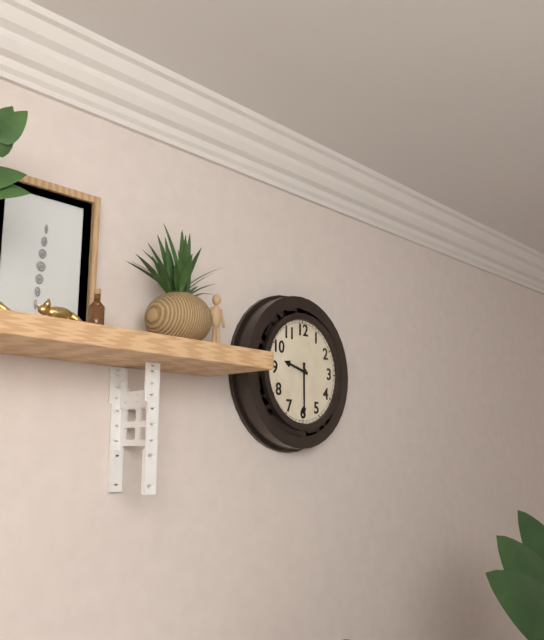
h=9 m=30
